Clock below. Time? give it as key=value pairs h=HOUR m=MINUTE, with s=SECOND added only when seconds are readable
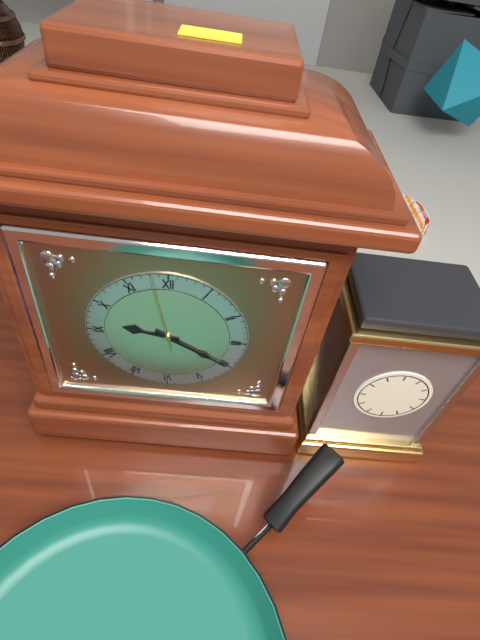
h=9 m=20 s=58
